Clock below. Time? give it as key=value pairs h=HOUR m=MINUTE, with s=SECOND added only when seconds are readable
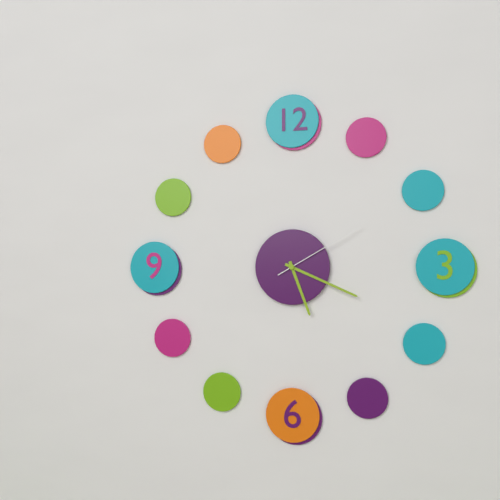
h=5 m=19 s=10
